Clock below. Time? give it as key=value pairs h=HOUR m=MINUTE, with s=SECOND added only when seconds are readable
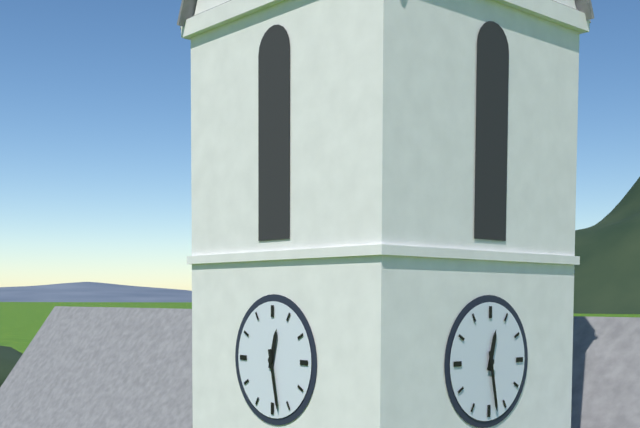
h=12 m=28
